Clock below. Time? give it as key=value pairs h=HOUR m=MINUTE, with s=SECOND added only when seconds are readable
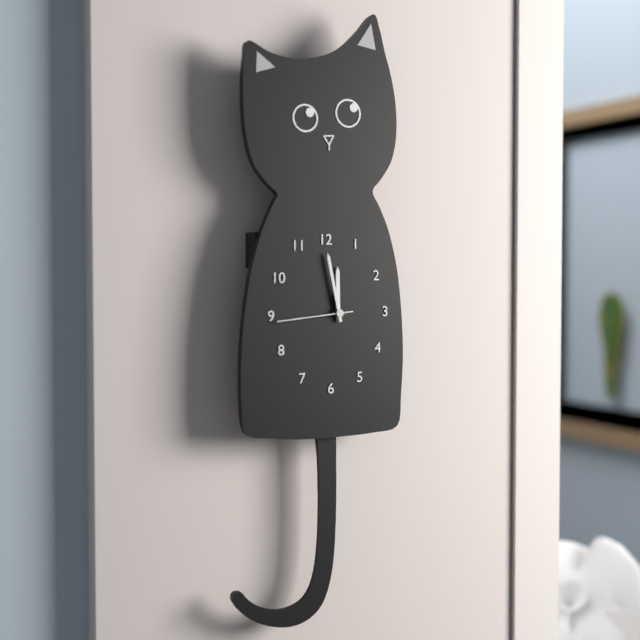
h=11 m=58 s=44
